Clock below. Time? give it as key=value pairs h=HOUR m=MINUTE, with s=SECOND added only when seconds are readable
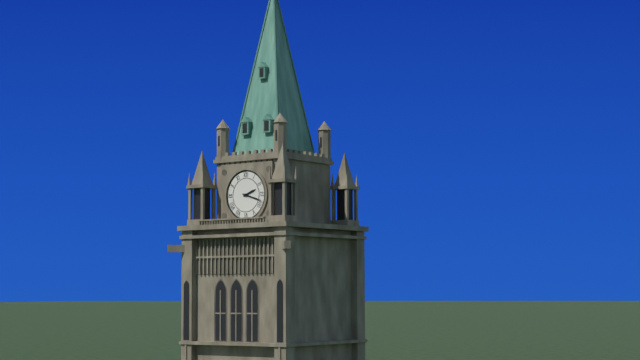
h=2 m=18
